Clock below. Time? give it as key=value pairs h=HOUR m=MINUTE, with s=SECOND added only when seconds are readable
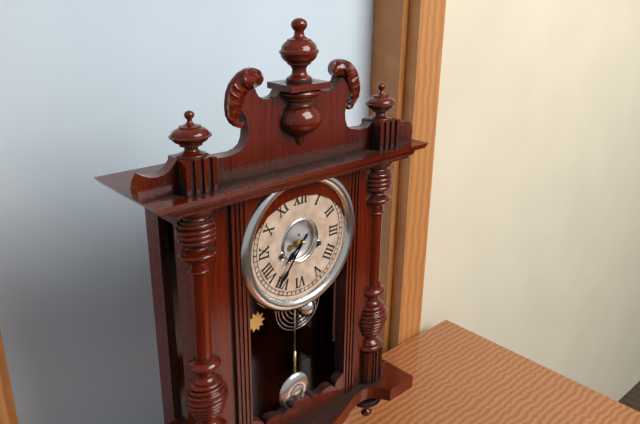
h=7 m=36
